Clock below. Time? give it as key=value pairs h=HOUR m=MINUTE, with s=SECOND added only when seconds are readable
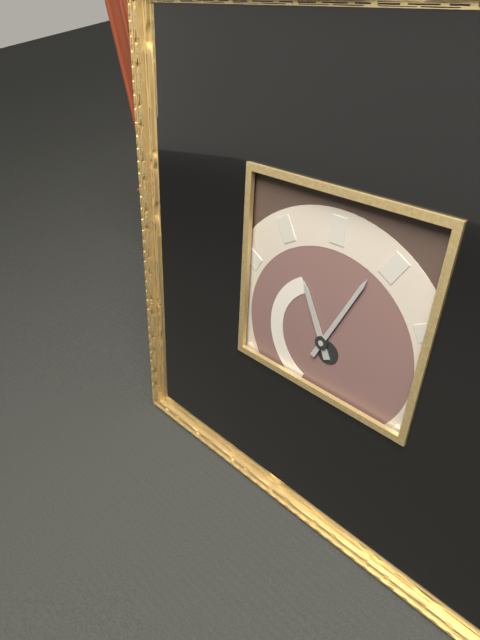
h=11 m=4
